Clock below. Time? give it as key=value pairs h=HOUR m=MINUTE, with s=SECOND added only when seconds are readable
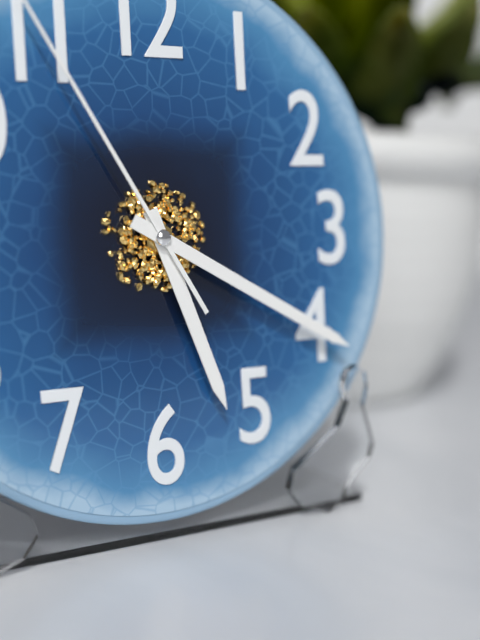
h=5 m=20
